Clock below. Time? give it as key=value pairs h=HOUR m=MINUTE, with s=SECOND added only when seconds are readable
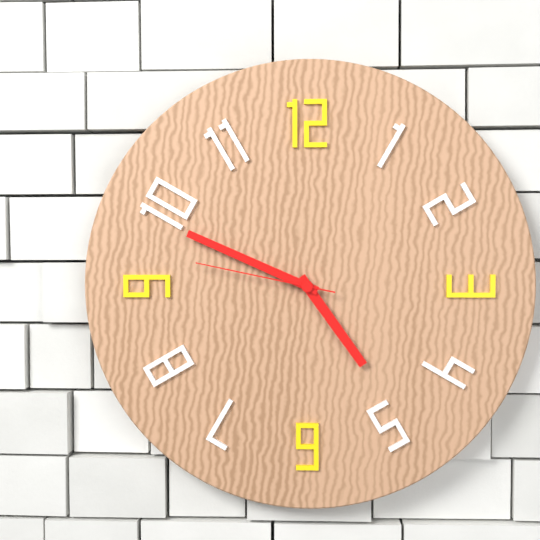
h=4 m=49 s=47
